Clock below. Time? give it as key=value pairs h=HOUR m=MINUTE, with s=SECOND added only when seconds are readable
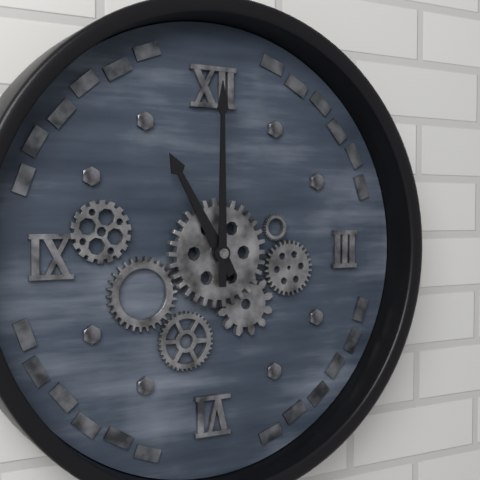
h=11 m=0
